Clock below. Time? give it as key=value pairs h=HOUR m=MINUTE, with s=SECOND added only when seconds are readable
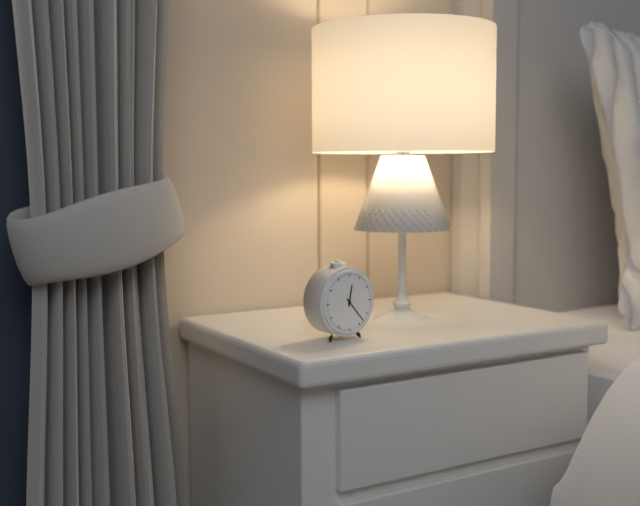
h=12 m=23
